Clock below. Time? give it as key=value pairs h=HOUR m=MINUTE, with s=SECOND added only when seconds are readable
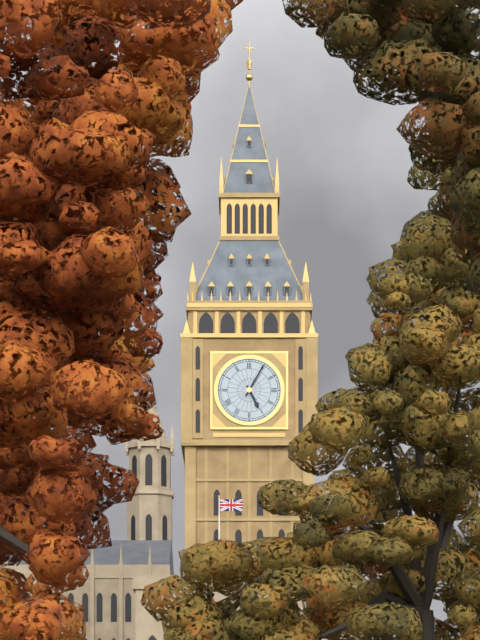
h=5 m=5
